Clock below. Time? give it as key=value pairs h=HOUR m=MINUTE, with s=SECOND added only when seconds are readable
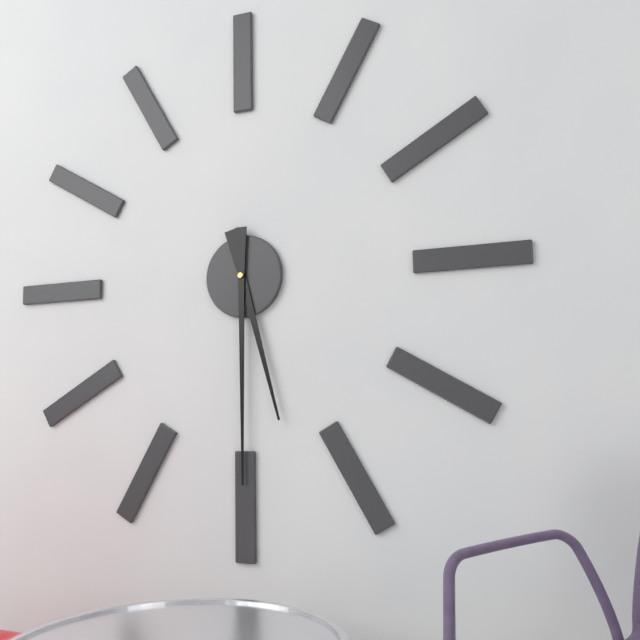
h=5 m=30
